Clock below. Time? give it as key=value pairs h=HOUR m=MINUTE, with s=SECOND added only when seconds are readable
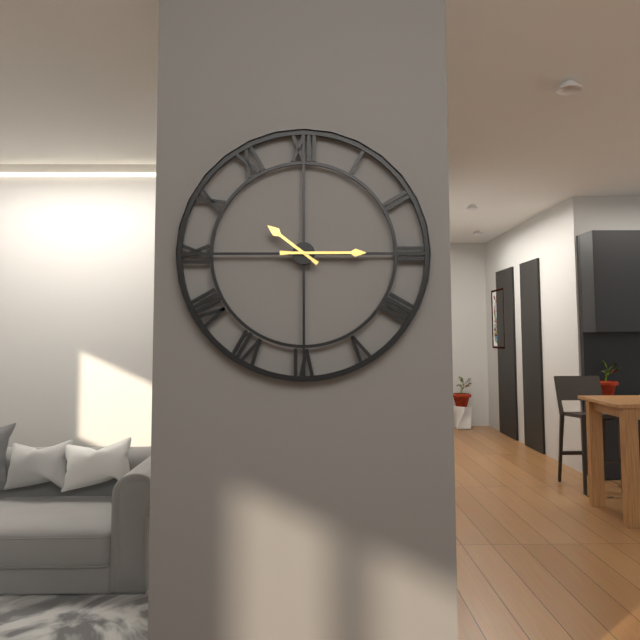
h=10 m=15
